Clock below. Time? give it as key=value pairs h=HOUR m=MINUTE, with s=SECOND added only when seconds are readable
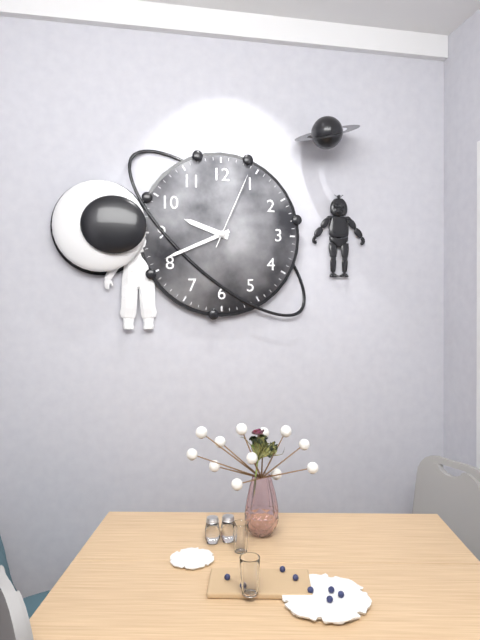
h=9 m=41 s=4
